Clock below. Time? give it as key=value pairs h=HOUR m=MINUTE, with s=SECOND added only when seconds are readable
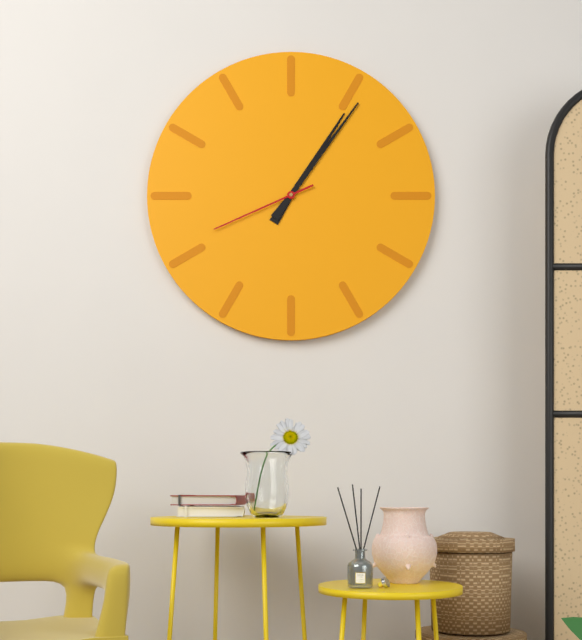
h=1 m=6 s=41
